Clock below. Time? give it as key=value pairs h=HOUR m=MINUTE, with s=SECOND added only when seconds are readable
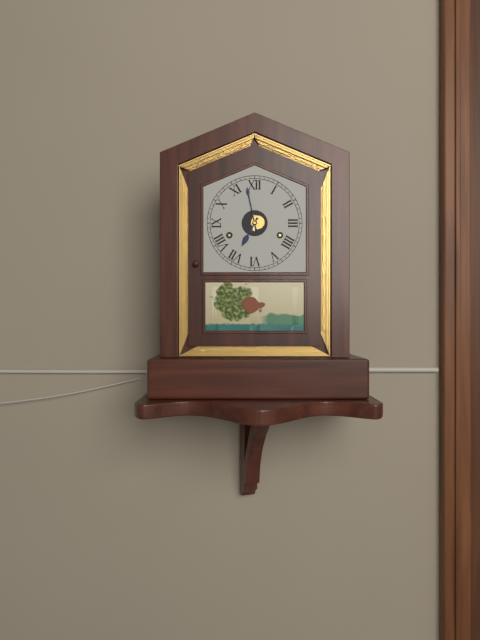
h=6 m=58
